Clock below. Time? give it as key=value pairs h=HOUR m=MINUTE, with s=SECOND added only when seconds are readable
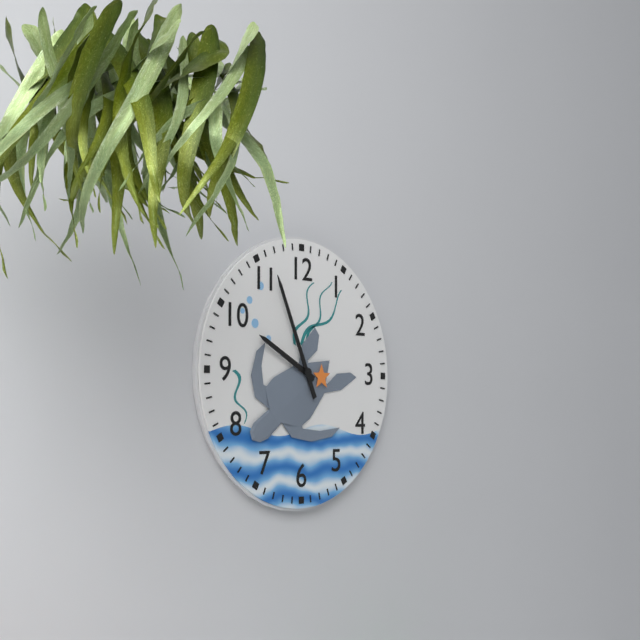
h=9 m=56
